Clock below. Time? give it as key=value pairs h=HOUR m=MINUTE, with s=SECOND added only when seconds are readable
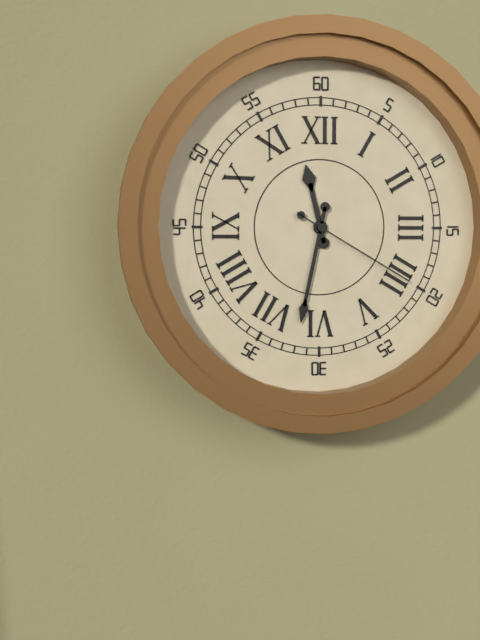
h=11 m=32 s=20
